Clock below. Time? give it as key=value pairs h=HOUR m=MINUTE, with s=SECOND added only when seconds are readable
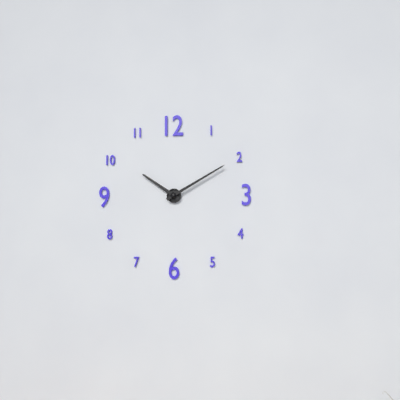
h=10 m=10
